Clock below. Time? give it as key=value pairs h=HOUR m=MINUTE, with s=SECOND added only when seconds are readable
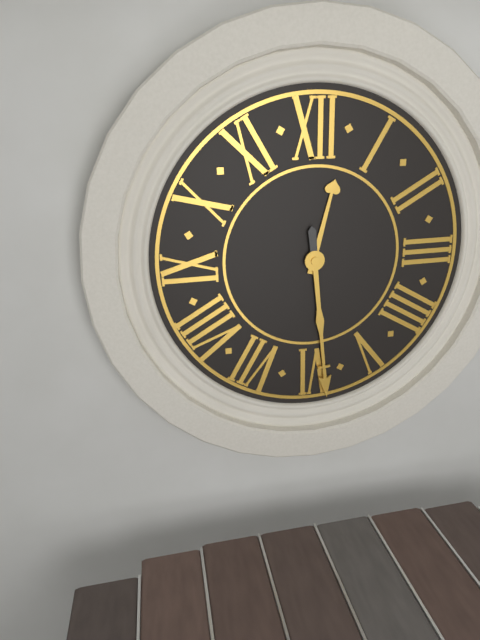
h=12 m=29
